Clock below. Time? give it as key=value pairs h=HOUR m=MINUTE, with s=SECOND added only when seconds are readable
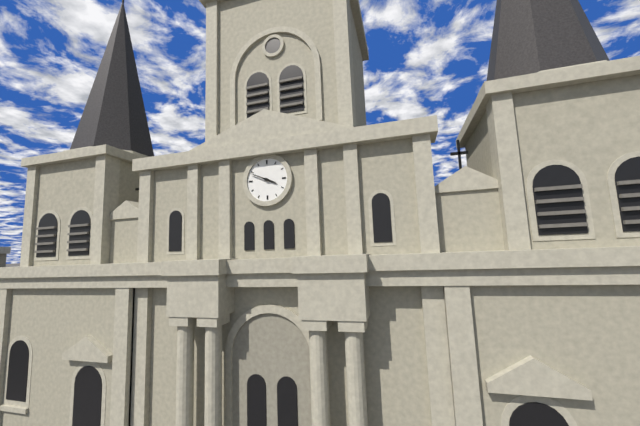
h=3 m=49
